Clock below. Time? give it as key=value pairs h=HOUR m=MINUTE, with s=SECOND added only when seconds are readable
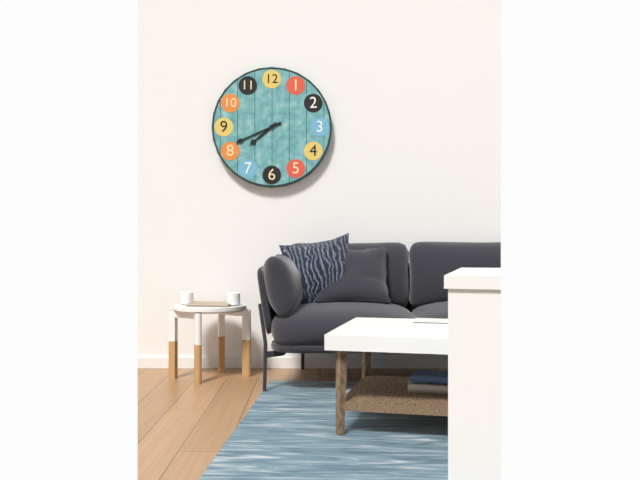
h=7 m=41
